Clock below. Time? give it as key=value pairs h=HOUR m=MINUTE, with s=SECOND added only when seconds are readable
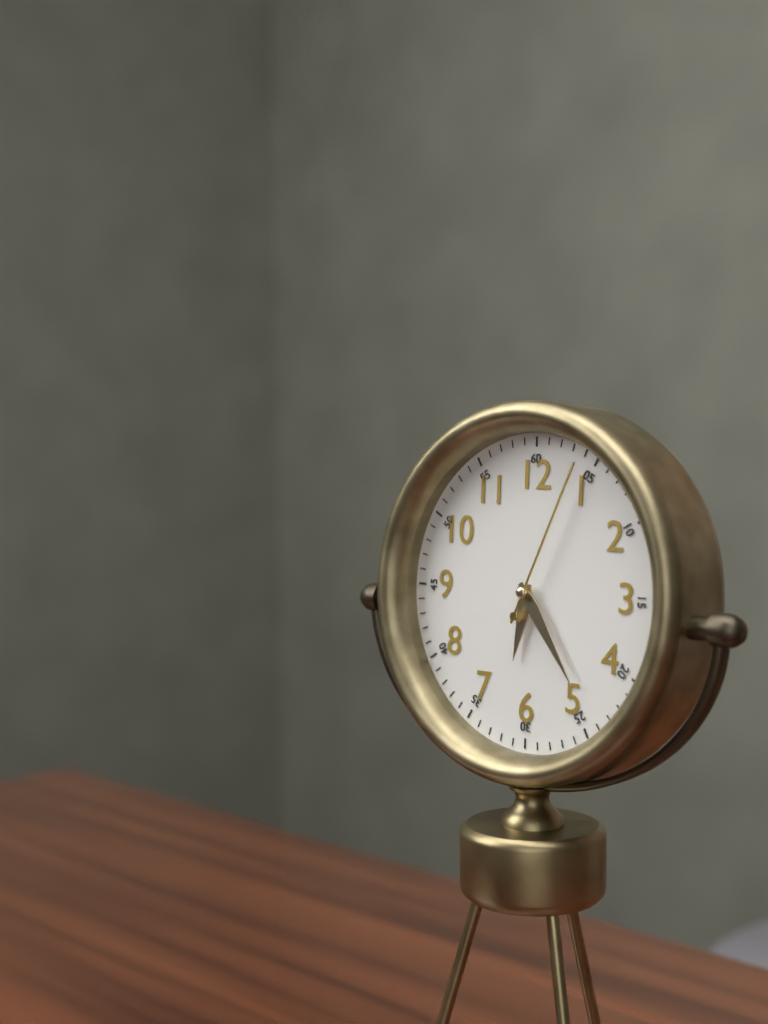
h=6 m=24 s=4
